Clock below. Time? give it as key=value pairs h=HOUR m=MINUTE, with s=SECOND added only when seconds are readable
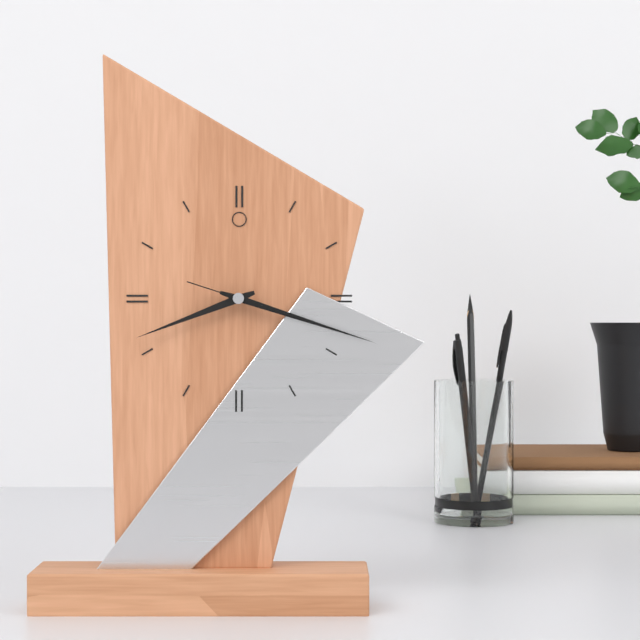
h=8 m=18 s=18
